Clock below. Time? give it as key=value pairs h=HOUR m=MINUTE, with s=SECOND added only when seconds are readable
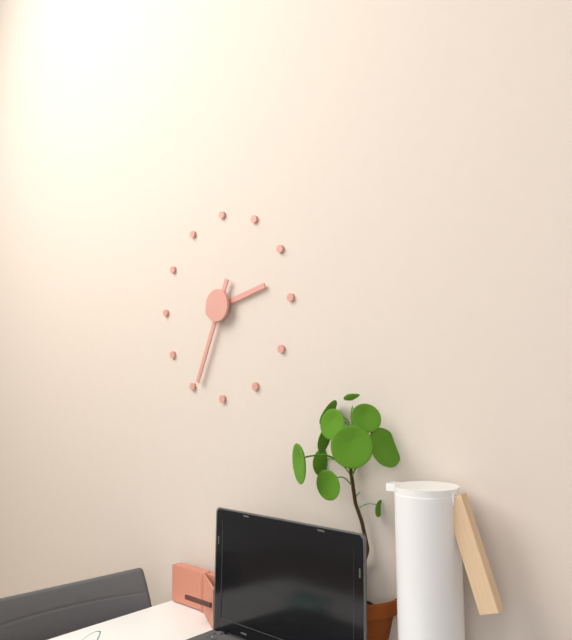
h=2 m=34
